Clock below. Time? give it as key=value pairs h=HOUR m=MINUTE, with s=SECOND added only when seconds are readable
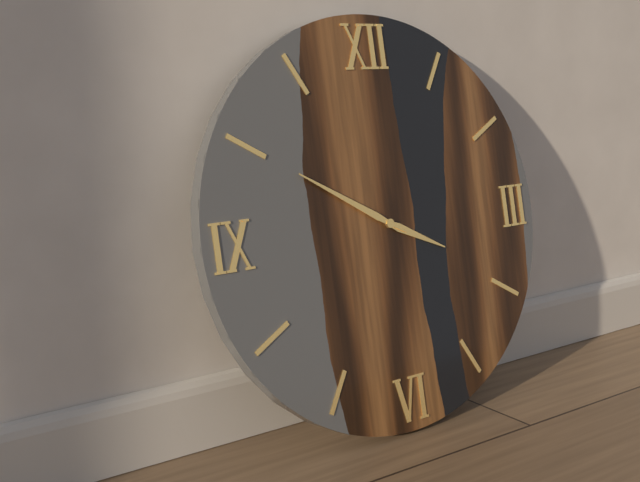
h=3 m=50
